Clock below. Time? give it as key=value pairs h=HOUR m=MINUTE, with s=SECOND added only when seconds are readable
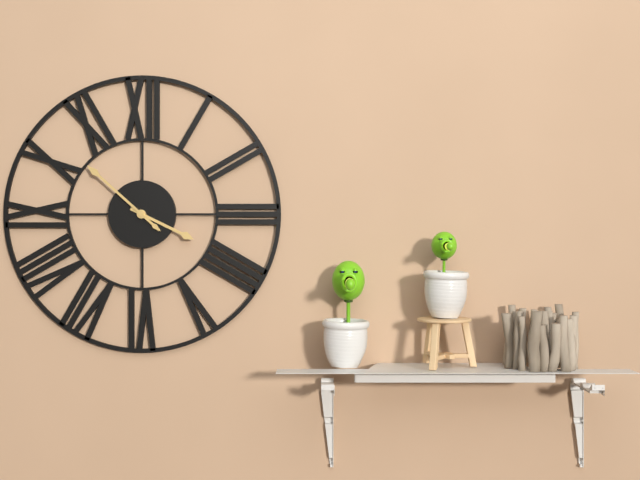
h=3 m=52
